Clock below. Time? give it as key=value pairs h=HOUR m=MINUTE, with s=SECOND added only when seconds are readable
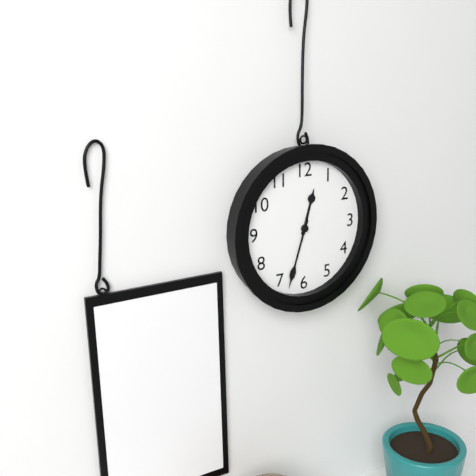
h=12 m=33
